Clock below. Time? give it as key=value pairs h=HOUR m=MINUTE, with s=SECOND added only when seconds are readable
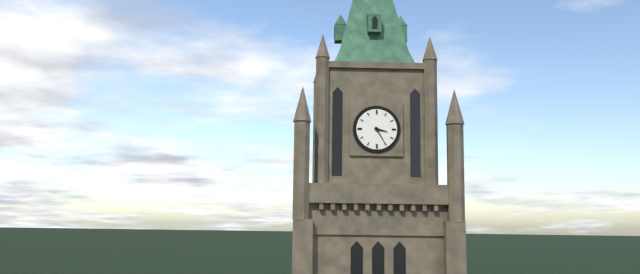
h=3 m=25
